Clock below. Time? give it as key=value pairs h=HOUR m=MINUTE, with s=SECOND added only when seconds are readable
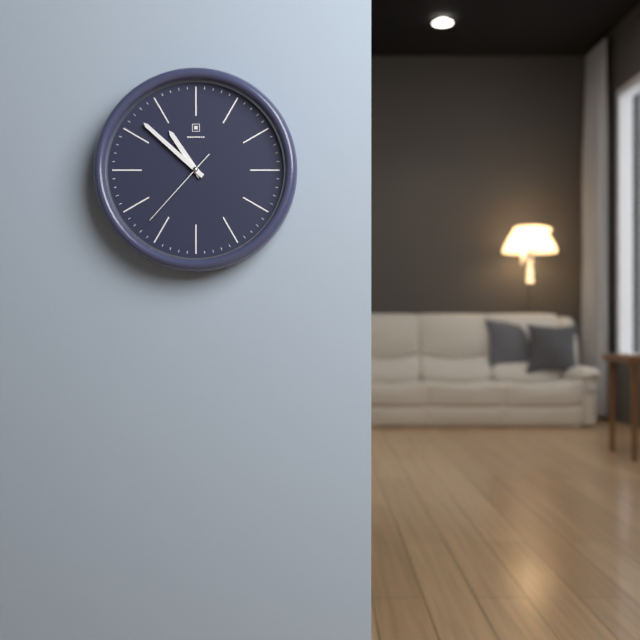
h=10 m=52 s=37
